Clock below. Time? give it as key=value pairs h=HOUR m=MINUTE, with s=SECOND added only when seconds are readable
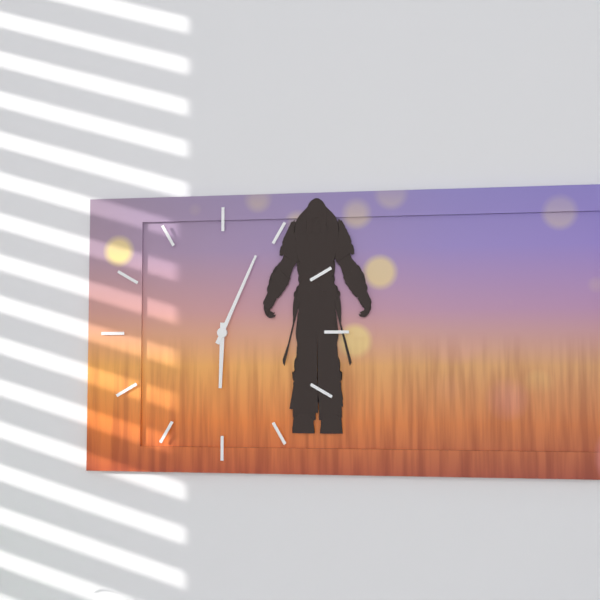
h=6 m=4
